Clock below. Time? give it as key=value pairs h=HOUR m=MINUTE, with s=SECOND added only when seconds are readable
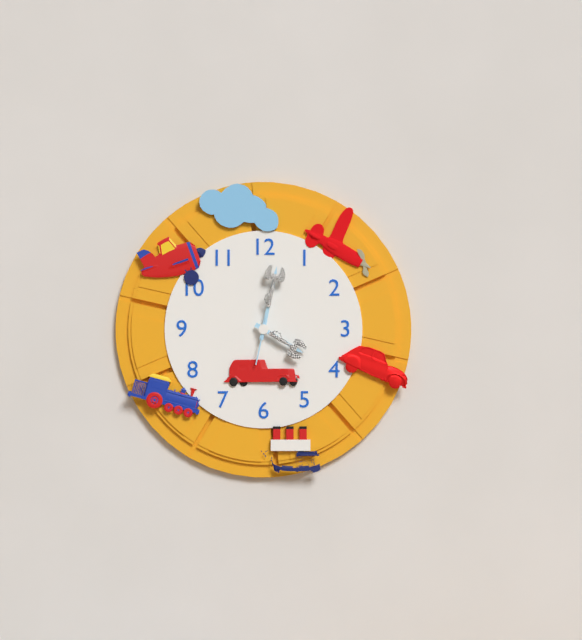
h=4 m=2
